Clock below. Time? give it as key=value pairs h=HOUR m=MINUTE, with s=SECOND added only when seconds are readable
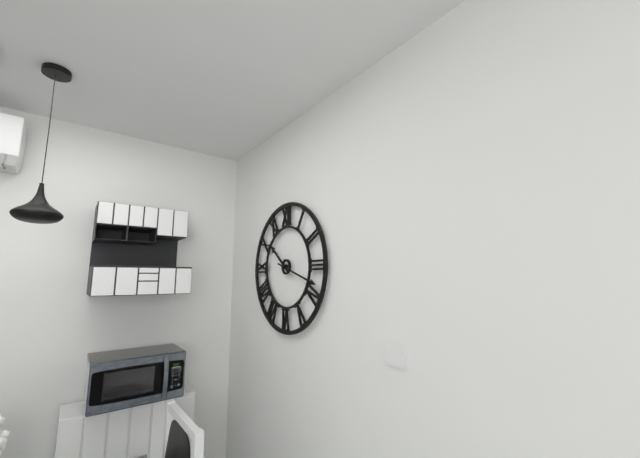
h=10 m=18
